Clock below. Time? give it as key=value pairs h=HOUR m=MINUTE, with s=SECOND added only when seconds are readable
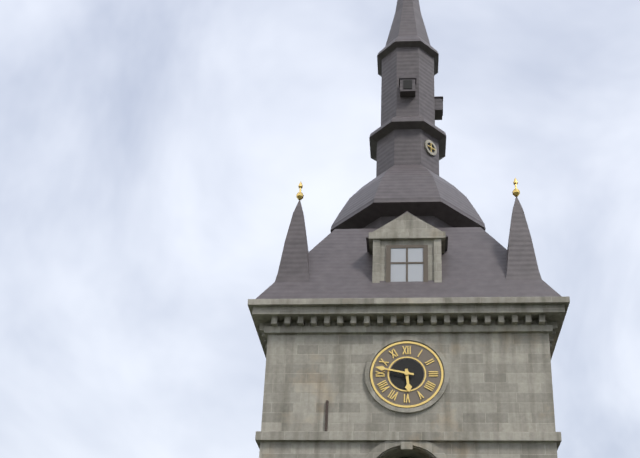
h=5 m=47
